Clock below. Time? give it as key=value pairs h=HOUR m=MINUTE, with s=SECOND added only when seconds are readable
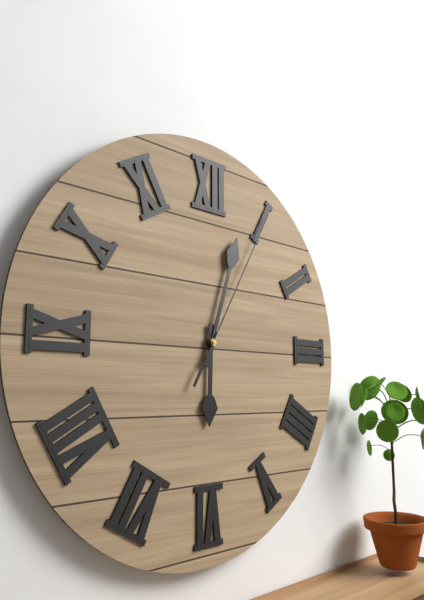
h=6 m=3 s=5
